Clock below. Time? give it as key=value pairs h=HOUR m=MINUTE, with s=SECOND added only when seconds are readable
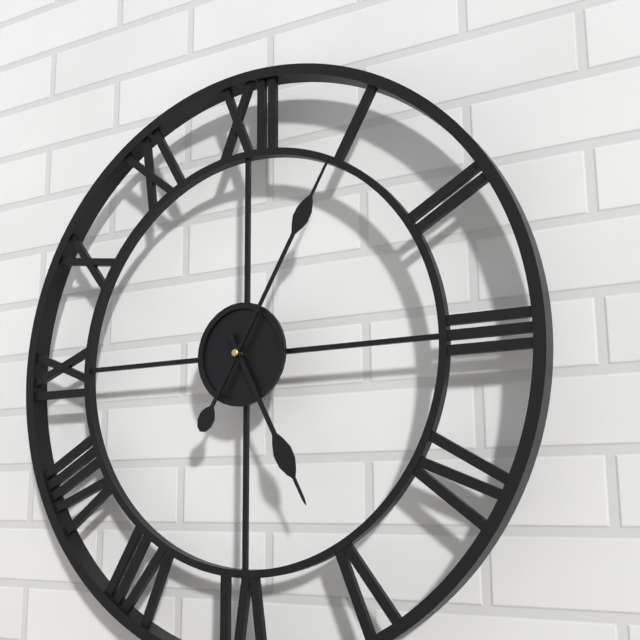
h=5 m=5
